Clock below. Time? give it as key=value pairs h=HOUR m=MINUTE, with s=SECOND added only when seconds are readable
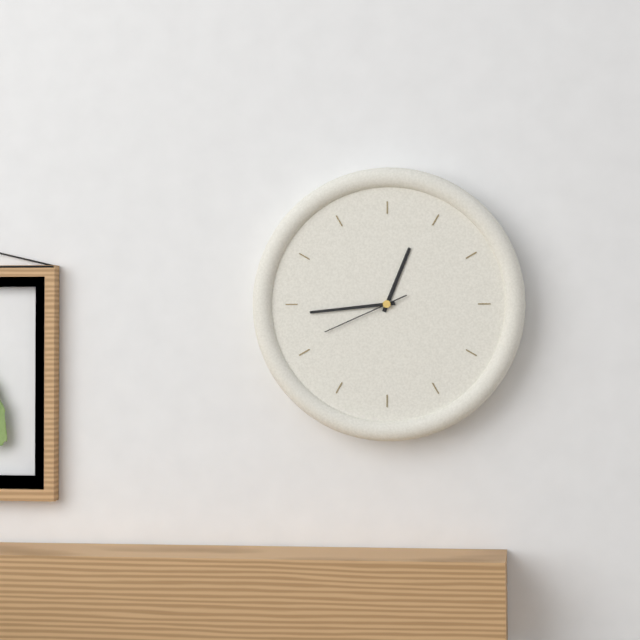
h=12 m=44 s=41
